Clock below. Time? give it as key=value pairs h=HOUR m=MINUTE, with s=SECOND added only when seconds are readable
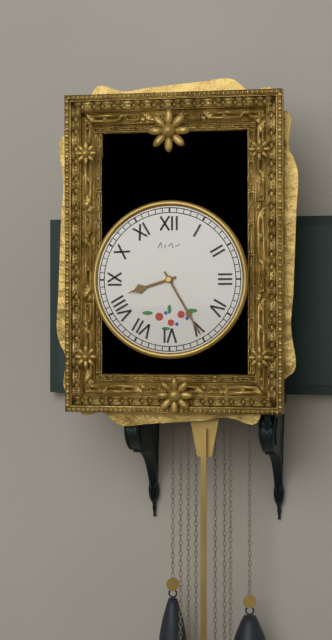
h=8 m=25
